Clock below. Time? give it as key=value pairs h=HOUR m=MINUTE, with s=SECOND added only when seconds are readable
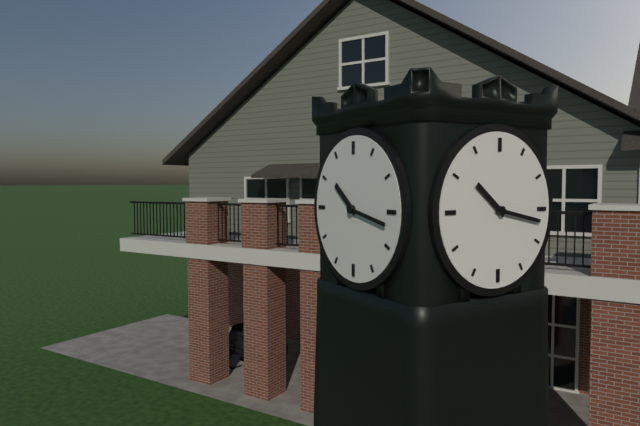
h=10 m=17
